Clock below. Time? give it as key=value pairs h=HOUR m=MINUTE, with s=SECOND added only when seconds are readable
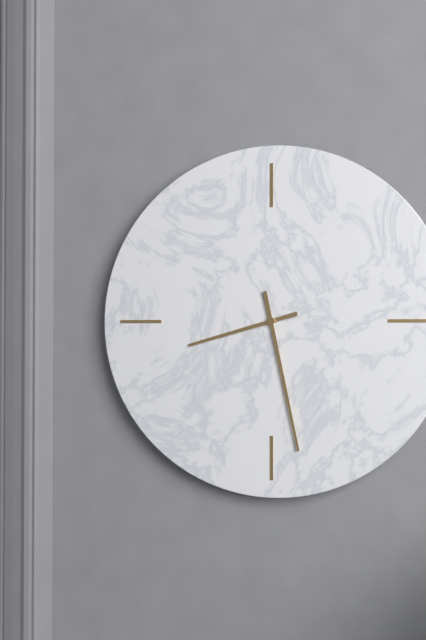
h=8 m=28
